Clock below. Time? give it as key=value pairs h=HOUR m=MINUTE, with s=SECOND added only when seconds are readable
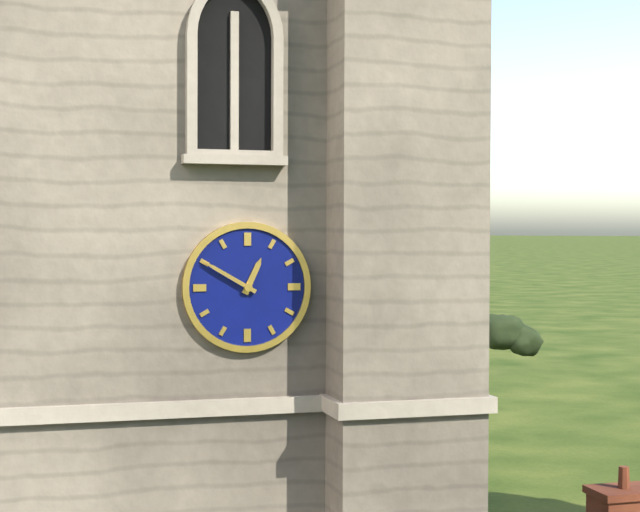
h=12 m=50
